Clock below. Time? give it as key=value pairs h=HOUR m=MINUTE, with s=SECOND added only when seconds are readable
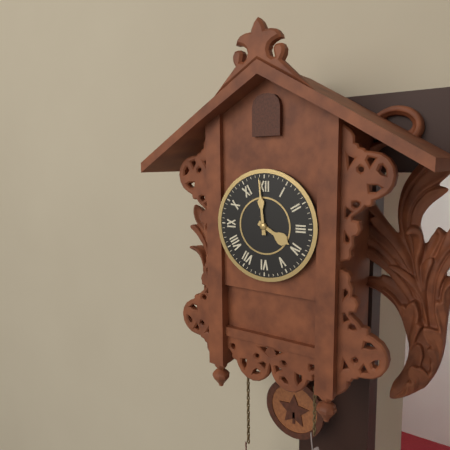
h=3 m=59
